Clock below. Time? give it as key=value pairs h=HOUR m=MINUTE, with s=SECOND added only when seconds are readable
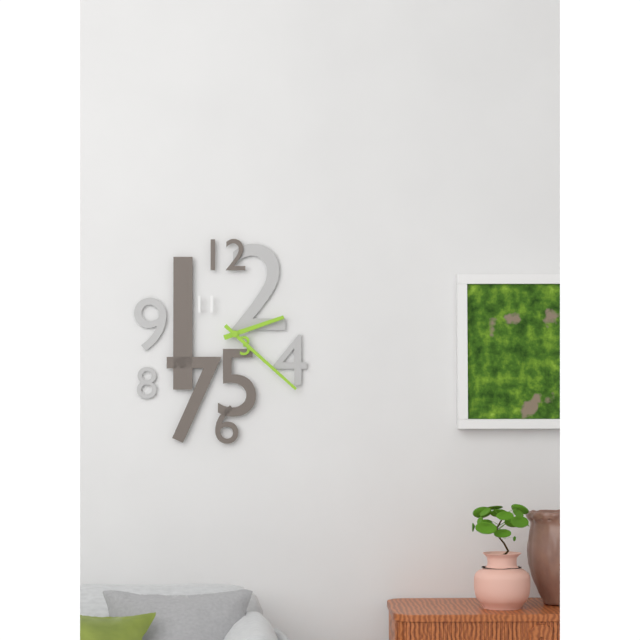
h=2 m=22
